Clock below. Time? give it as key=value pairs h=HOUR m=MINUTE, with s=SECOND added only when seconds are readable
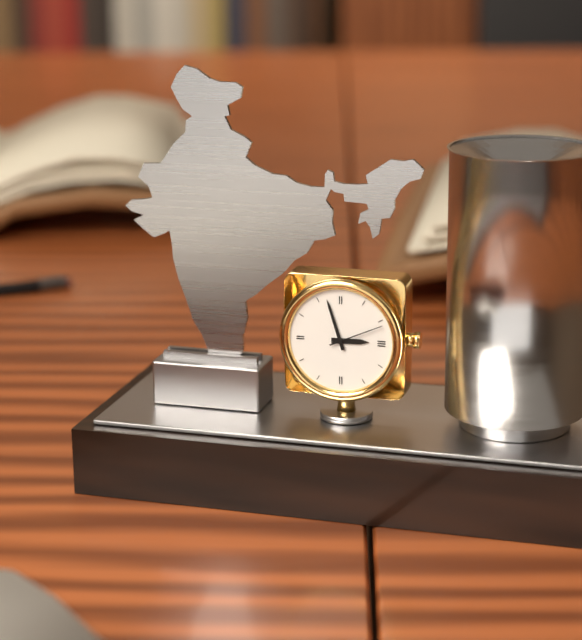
h=2 m=57 s=11
